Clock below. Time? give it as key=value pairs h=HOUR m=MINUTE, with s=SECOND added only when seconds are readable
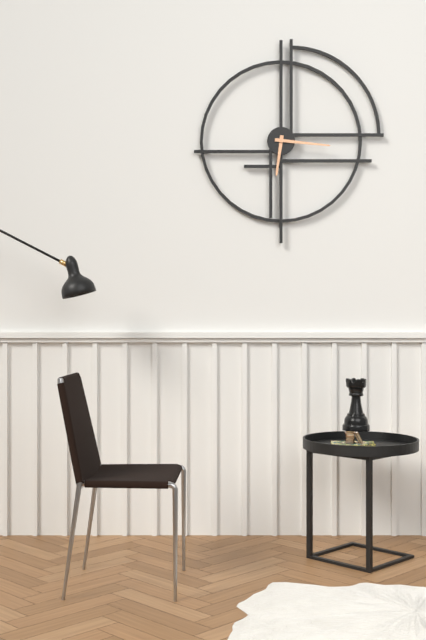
h=6 m=16
